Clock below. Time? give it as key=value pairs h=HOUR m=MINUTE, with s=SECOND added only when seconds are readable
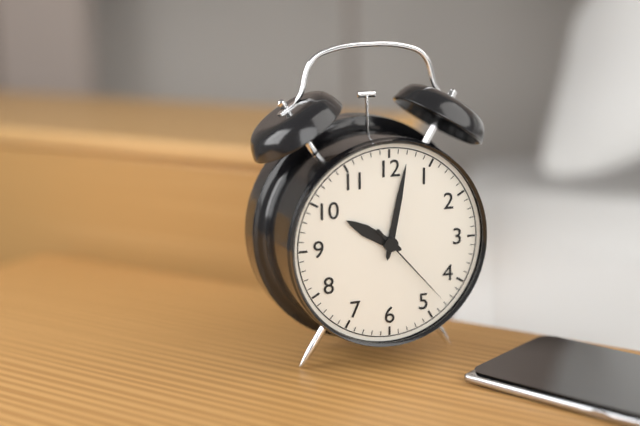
h=10 m=2 s=23
